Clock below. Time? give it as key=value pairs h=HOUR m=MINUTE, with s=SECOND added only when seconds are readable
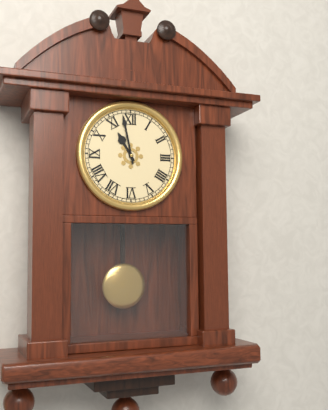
h=10 m=58
